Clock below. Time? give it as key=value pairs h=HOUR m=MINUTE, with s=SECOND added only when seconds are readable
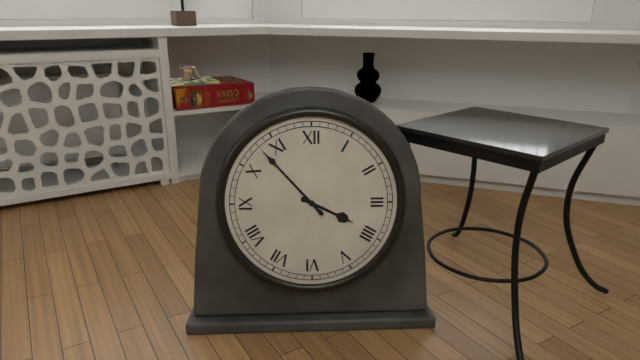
h=3 m=53
